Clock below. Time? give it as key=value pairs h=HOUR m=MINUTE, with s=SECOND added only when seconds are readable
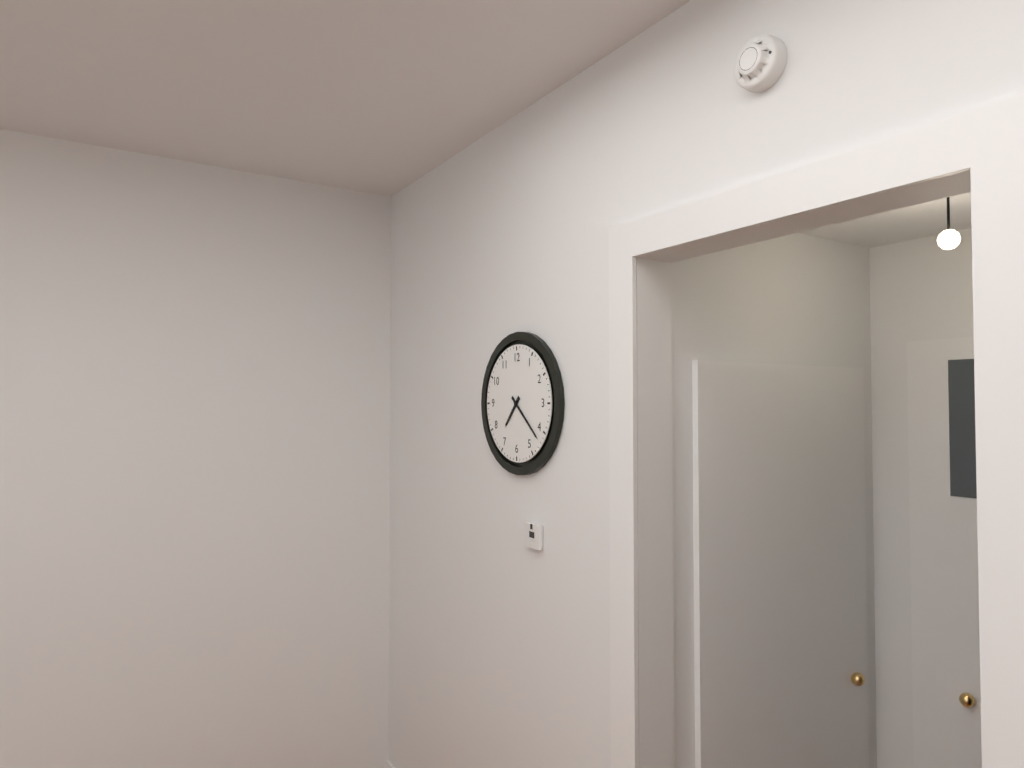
h=7 m=22
